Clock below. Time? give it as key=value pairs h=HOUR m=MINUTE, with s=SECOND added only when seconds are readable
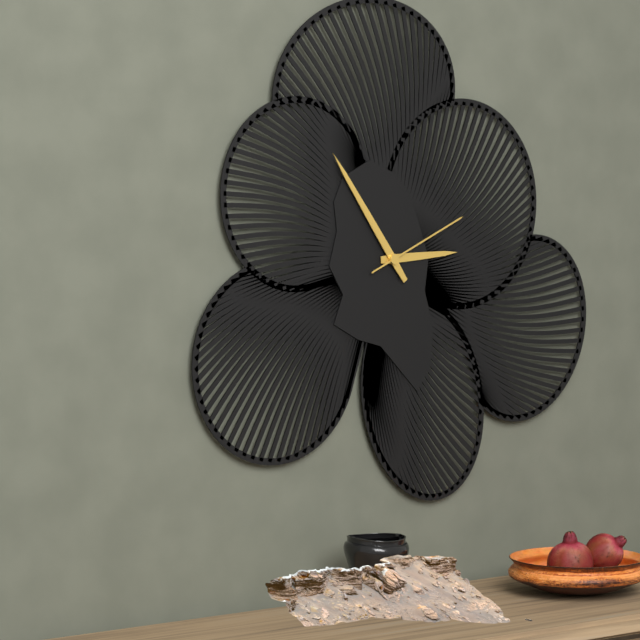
h=2 m=54 s=11
